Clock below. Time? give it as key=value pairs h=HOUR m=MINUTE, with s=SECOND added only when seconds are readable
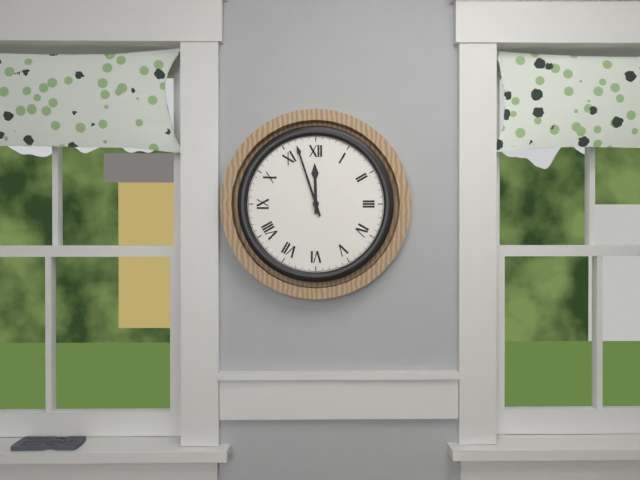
h=11 m=57
